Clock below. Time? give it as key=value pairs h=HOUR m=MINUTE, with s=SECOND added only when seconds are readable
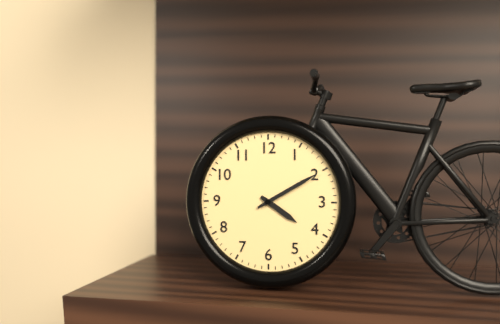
h=4 m=10
